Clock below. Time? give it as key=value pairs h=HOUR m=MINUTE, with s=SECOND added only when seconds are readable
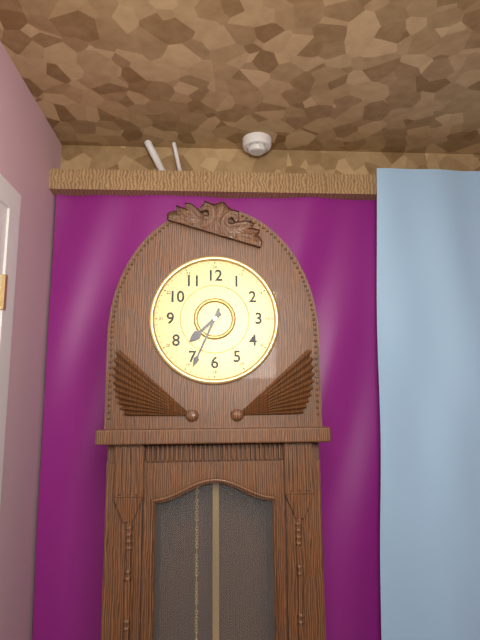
h=7 m=34
